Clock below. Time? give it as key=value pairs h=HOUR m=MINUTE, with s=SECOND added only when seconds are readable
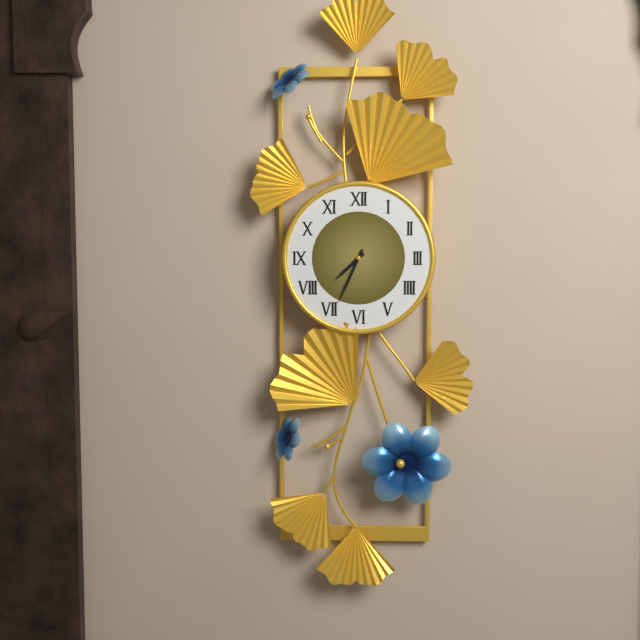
h=7 m=34
